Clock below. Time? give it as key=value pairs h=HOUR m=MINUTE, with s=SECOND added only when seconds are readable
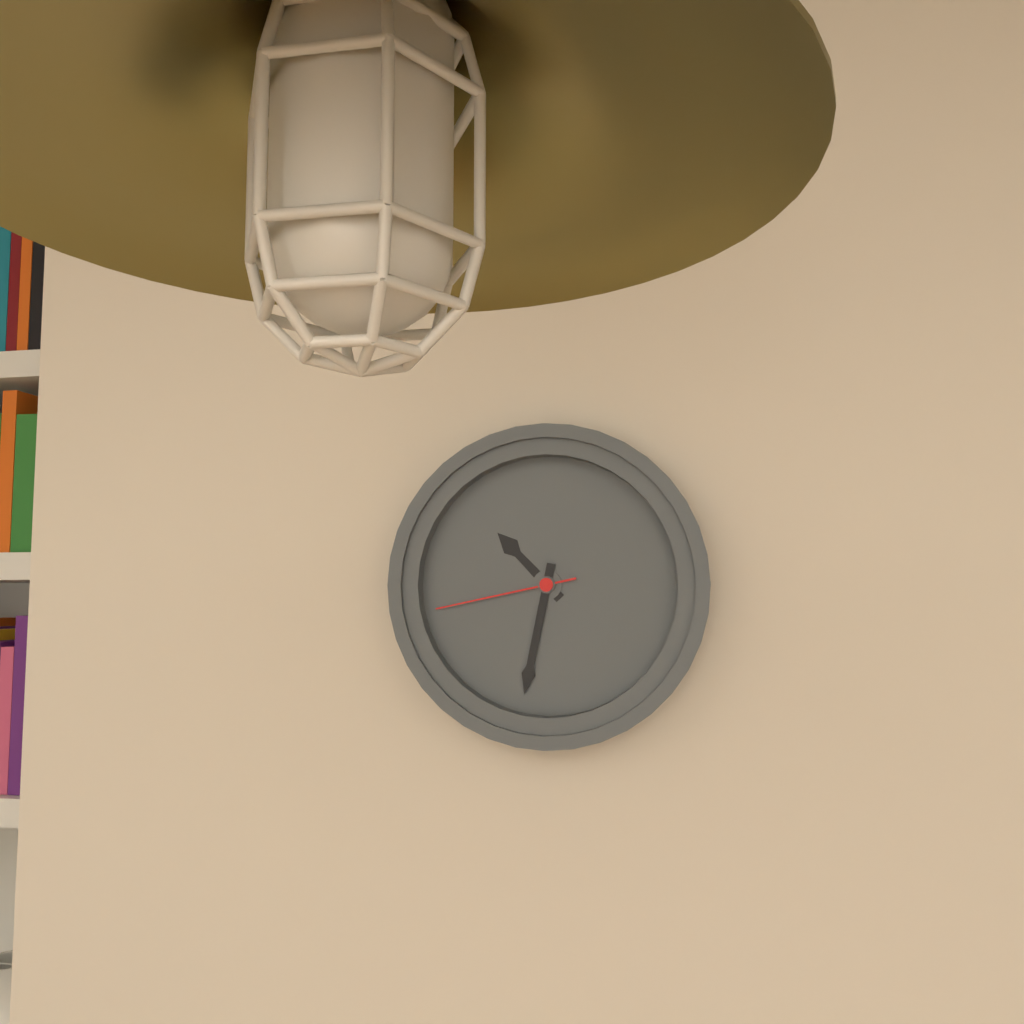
h=10 m=32 s=43
